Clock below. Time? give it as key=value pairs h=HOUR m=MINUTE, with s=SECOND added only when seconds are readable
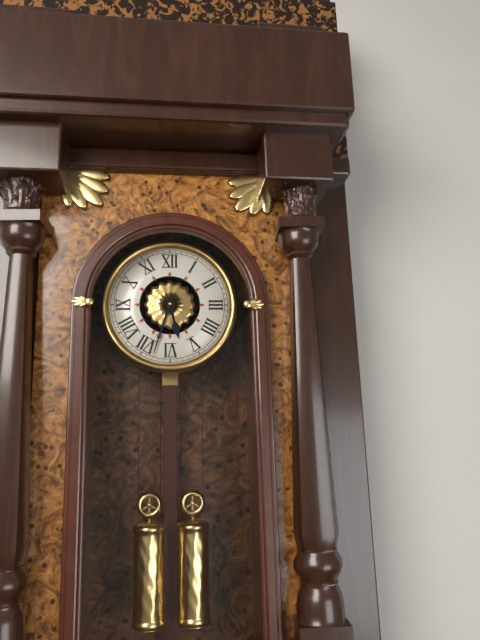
h=5 m=33
